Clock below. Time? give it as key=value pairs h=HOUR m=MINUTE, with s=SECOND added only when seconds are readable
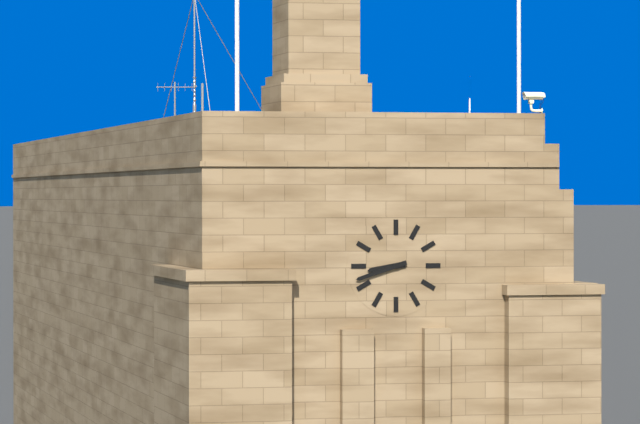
h=8 m=42
